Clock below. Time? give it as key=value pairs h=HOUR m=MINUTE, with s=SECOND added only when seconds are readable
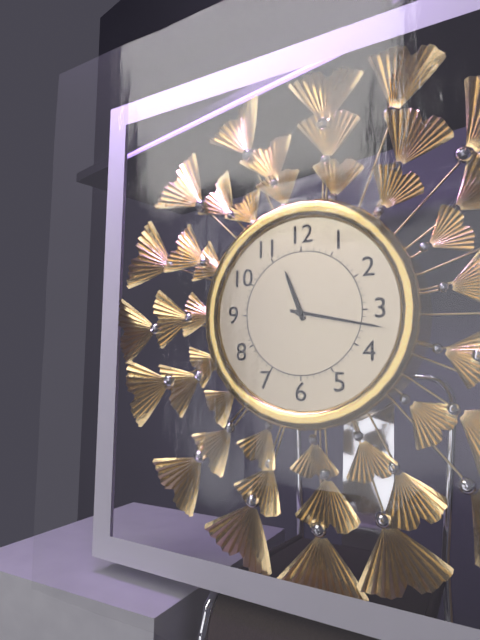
h=11 m=17
